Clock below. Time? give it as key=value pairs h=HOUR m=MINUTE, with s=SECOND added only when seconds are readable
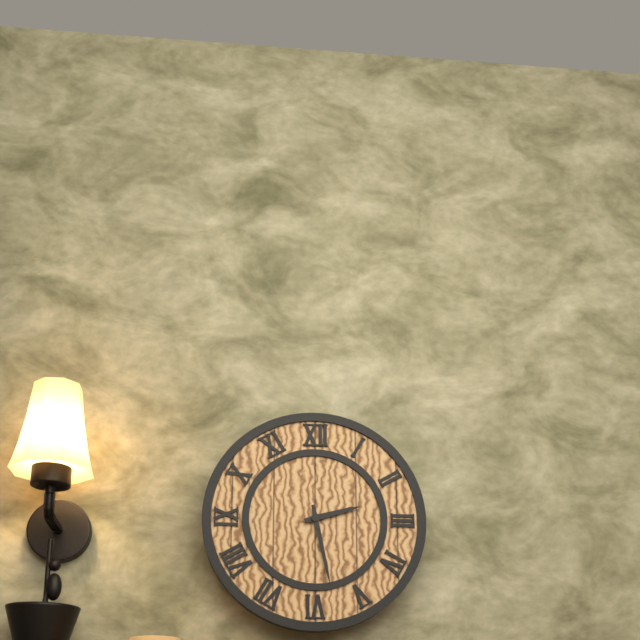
h=2 m=28
